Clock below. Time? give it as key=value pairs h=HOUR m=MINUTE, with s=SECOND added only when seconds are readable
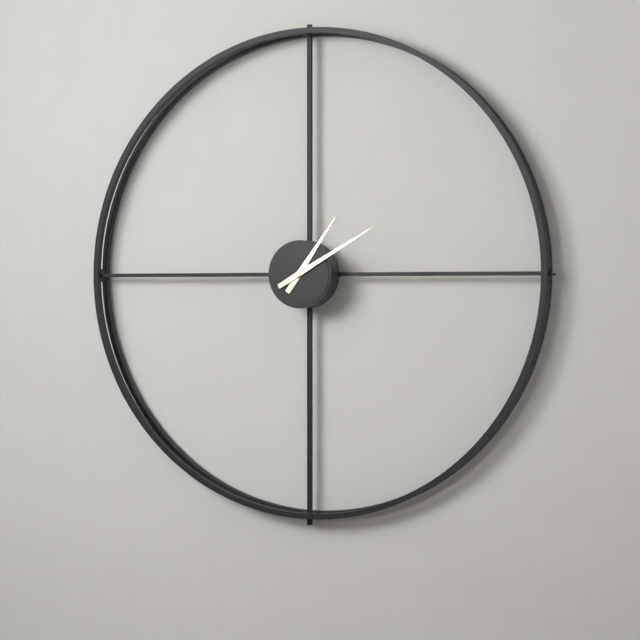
h=1 m=10
